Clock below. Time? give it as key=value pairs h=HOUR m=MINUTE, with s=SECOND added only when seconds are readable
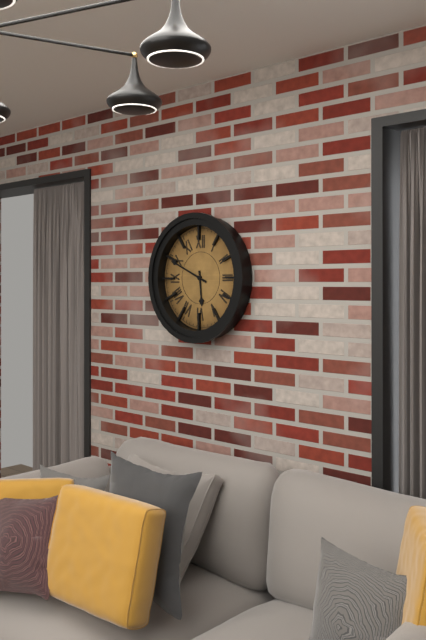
h=5 m=49
